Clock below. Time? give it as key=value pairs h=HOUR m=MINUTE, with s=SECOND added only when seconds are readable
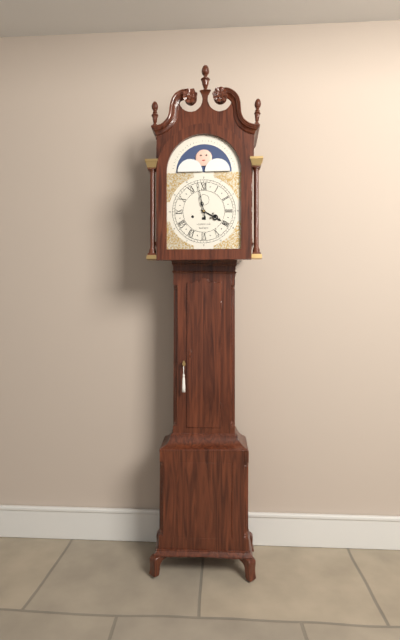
h=3 m=58
